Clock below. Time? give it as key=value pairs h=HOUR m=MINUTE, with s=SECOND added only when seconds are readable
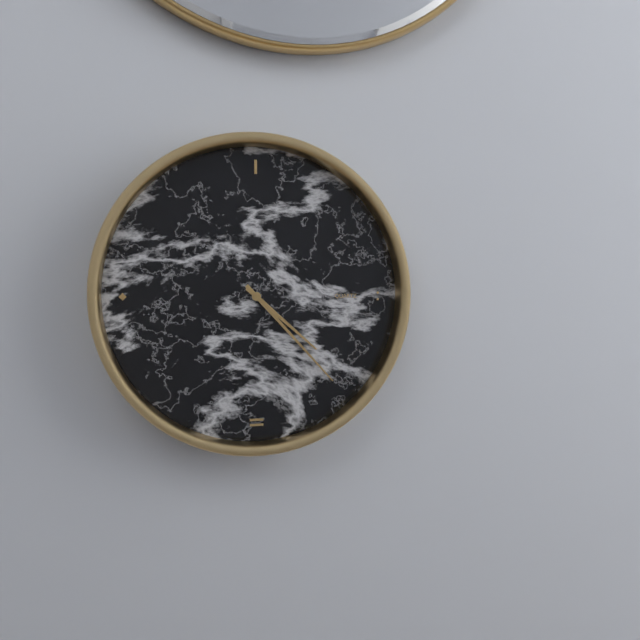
h=4 m=23
